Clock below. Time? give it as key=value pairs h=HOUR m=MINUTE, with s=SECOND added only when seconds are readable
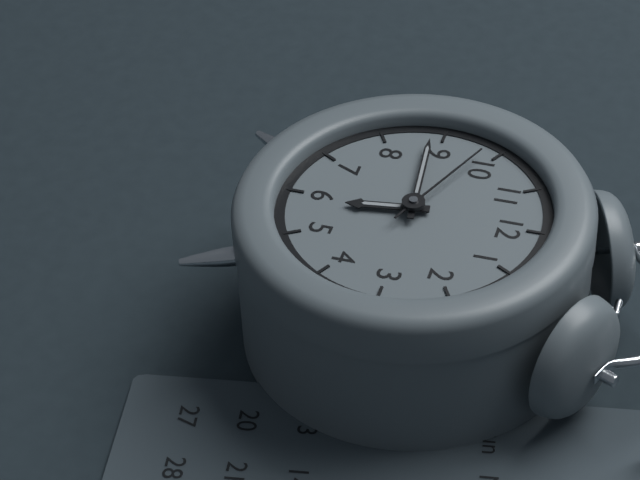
h=5 m=44 s=49
